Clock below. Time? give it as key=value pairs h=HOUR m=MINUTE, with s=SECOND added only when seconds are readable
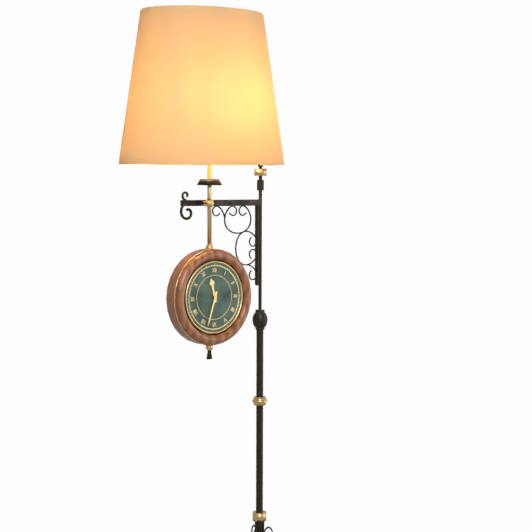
h=11 m=33
